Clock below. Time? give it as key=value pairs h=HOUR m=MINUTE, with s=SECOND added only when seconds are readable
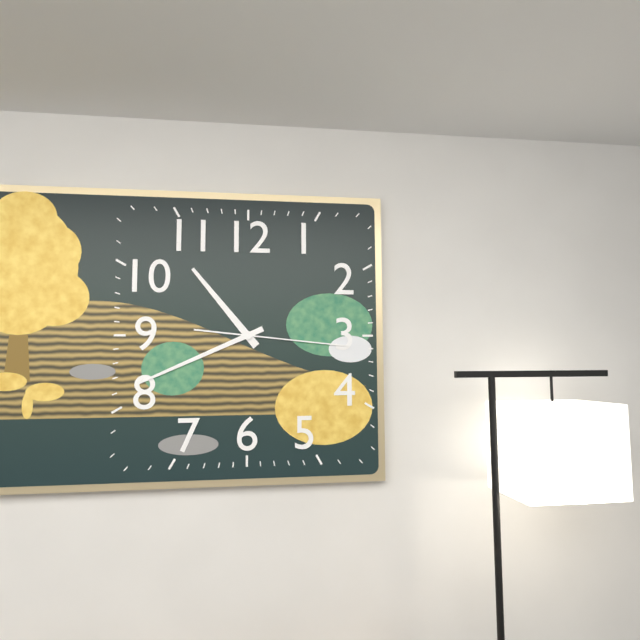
h=10 m=41 s=16
